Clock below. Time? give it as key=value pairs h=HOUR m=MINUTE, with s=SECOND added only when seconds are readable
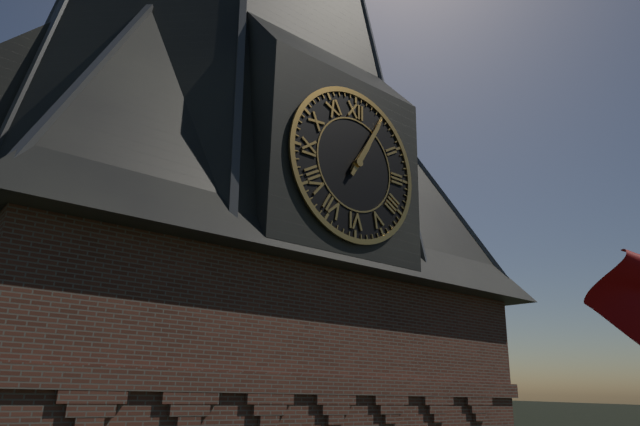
h=1 m=5
